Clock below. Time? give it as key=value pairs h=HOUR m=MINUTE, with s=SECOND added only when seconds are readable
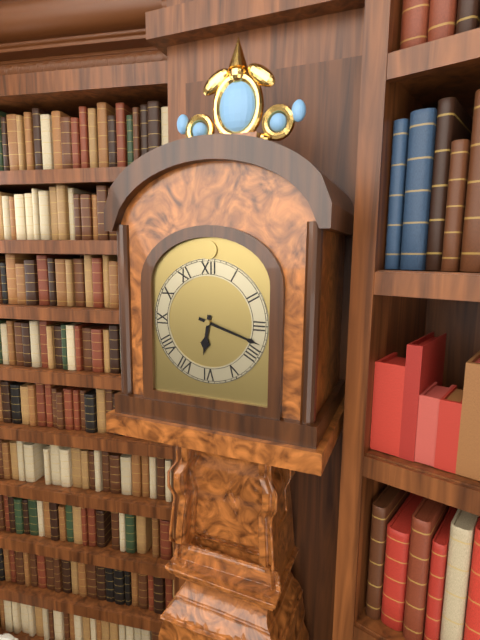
h=6 m=18
